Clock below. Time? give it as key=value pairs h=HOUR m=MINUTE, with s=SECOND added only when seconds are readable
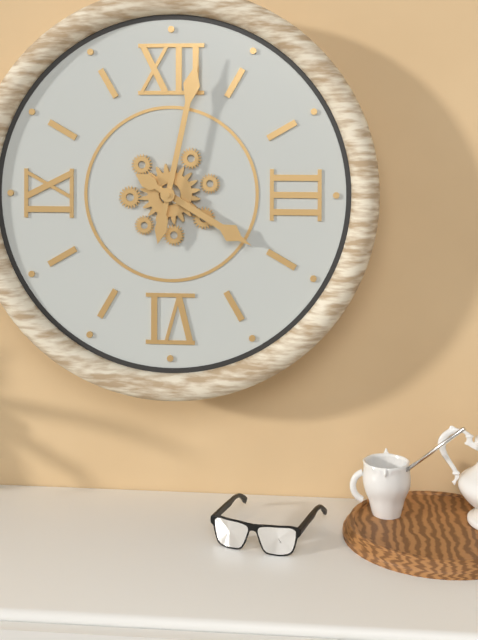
h=4 m=2
